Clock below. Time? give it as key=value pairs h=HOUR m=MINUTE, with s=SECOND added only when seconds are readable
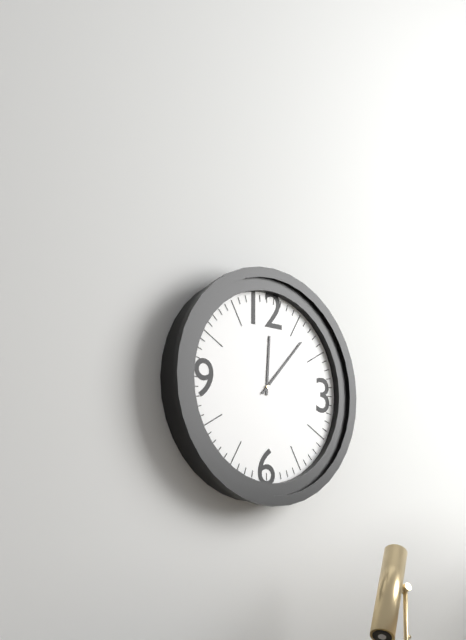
h=12 m=7
